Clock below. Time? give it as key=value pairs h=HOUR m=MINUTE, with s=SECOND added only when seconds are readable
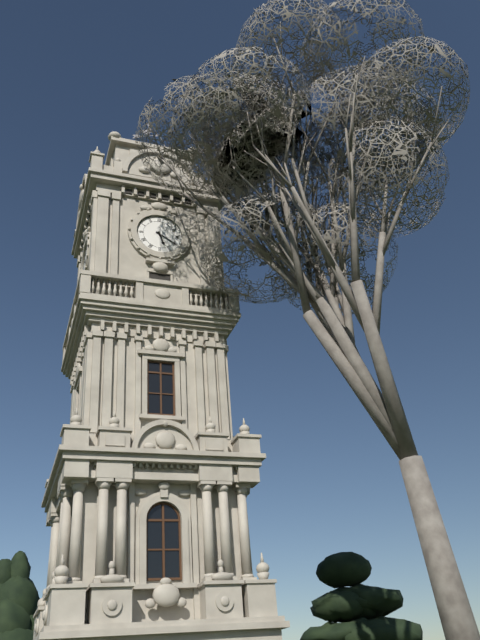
h=5 m=20
